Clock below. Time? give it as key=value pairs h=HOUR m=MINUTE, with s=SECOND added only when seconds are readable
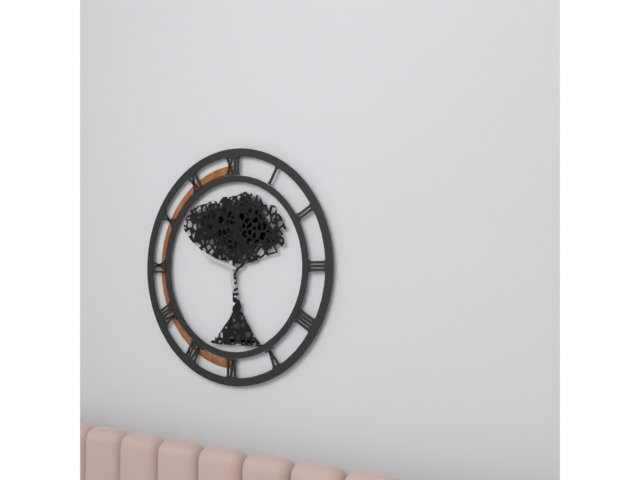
h=5 m=48
